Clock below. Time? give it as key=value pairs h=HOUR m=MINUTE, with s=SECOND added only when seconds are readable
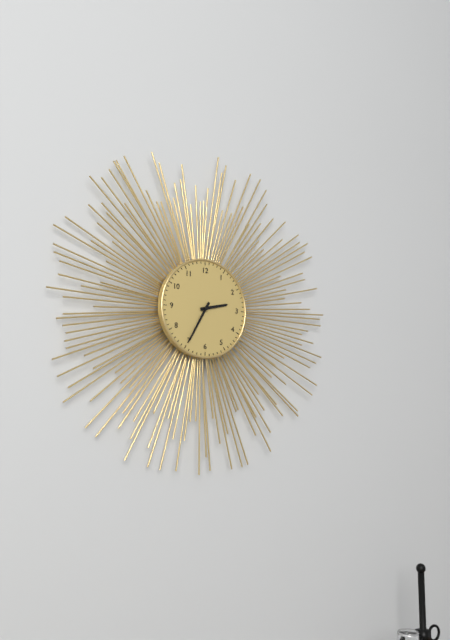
h=2 m=35
